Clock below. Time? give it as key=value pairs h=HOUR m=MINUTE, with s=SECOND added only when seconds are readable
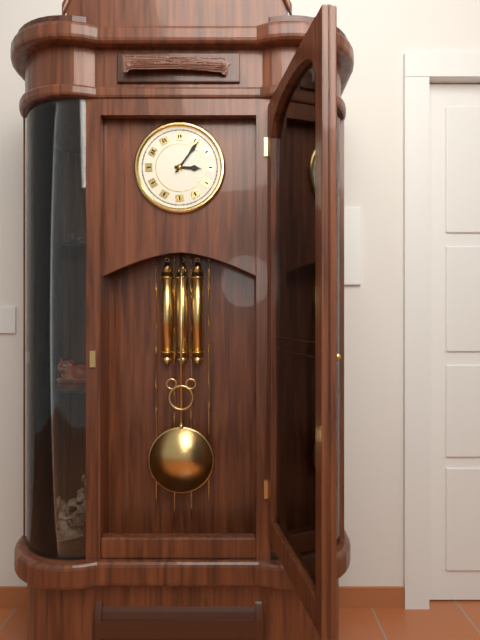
h=3 m=6
